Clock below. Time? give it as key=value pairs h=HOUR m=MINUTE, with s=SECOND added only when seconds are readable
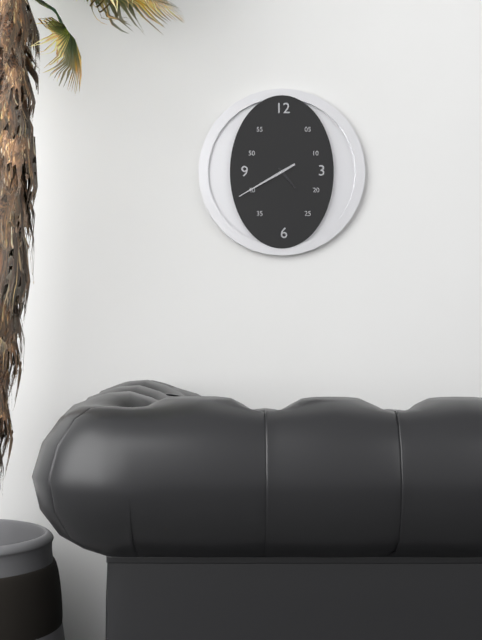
h=4 m=40
